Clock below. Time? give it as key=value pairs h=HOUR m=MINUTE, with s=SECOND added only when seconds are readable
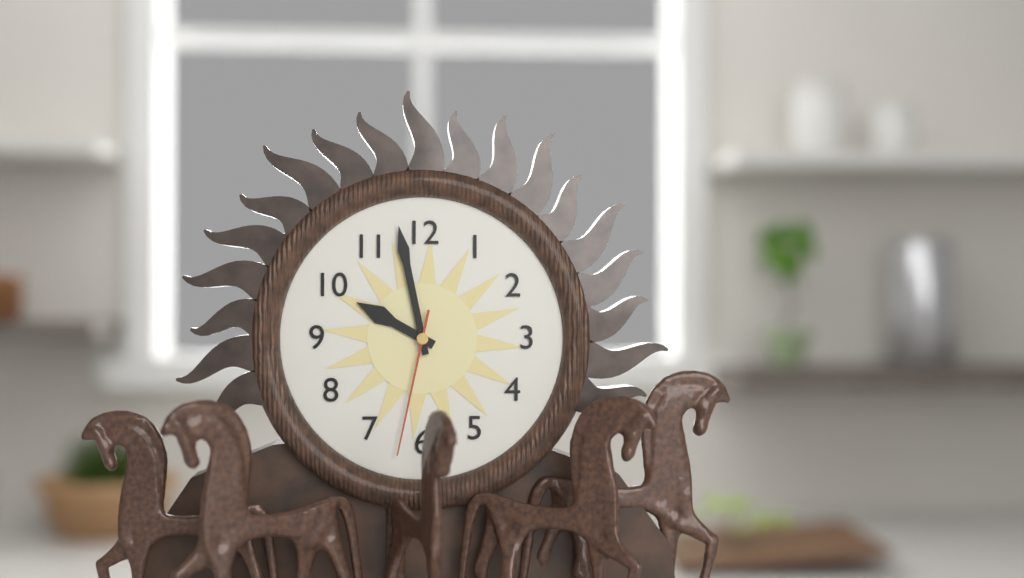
h=9 m=58 s=32
